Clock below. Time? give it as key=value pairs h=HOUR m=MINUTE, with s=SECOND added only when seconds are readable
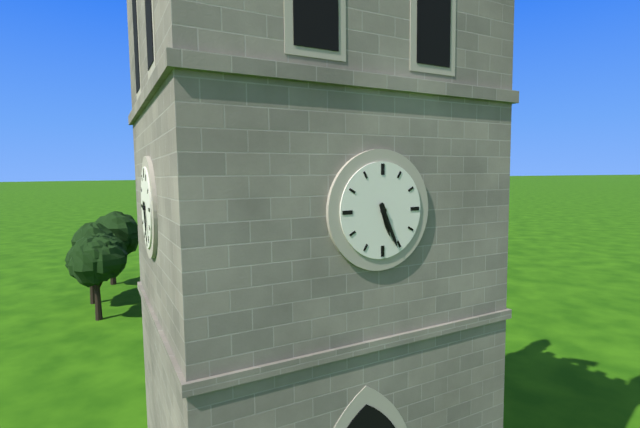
h=5 m=26
